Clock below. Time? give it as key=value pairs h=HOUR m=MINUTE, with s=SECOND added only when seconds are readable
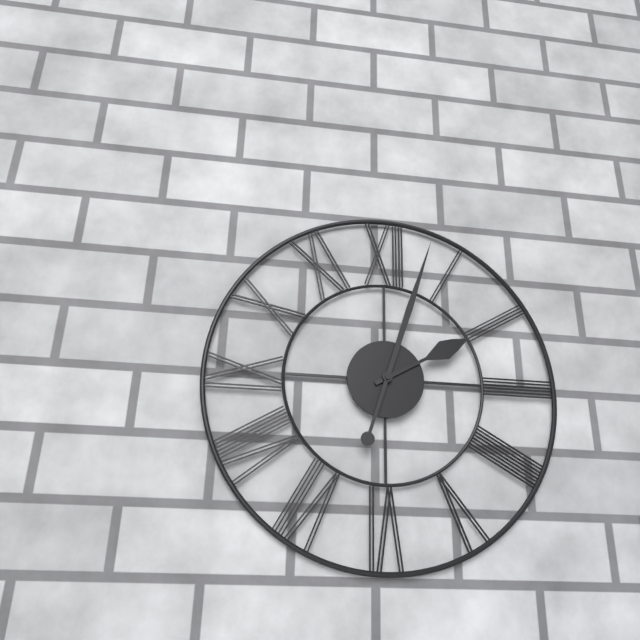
h=2 m=3
